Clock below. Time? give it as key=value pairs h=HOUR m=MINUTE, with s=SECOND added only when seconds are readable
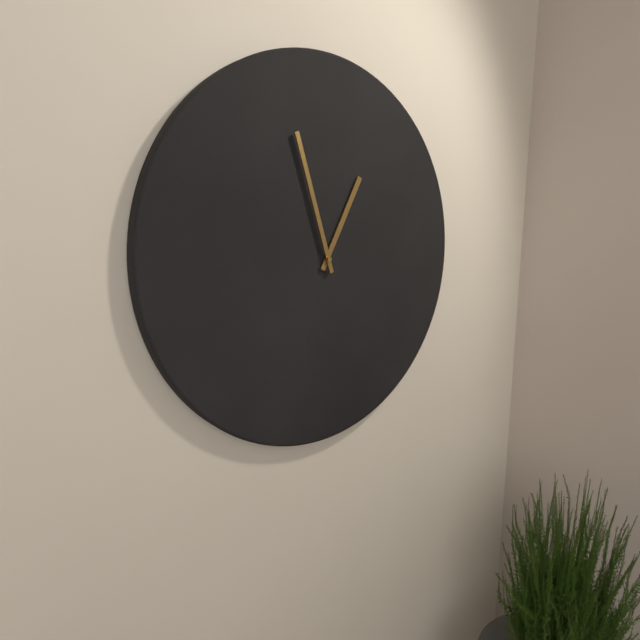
h=12 m=57
